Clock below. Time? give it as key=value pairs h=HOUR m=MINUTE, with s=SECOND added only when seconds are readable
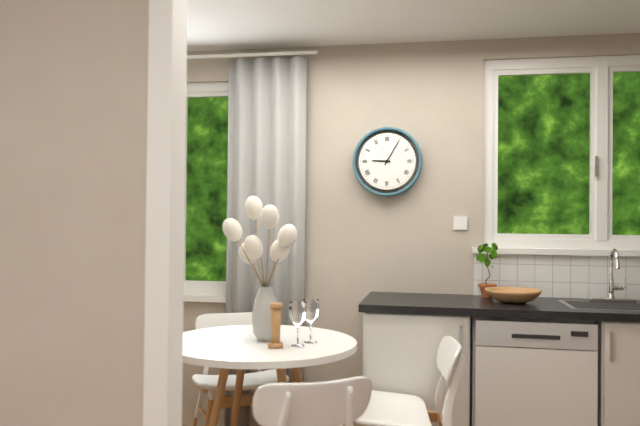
h=9 m=5
